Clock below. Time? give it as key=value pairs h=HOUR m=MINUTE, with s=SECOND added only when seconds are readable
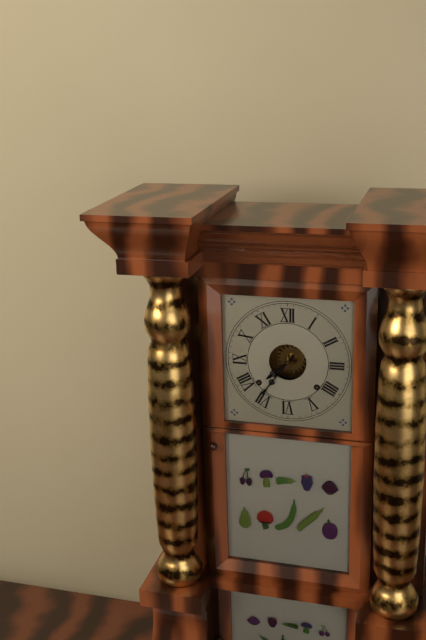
h=7 m=36
